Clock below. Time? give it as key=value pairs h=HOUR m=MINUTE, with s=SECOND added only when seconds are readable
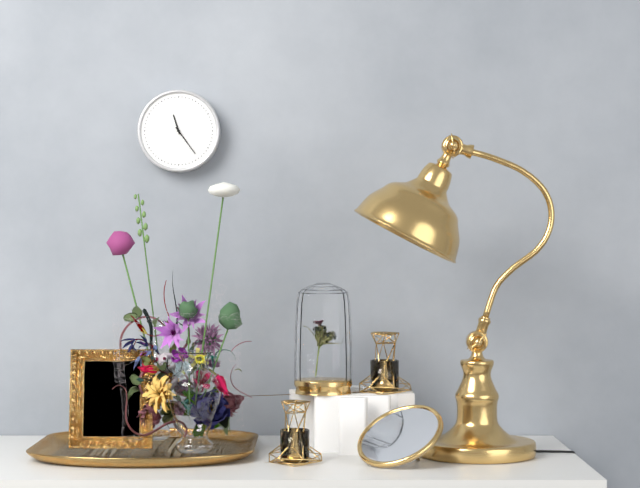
h=11 m=24
